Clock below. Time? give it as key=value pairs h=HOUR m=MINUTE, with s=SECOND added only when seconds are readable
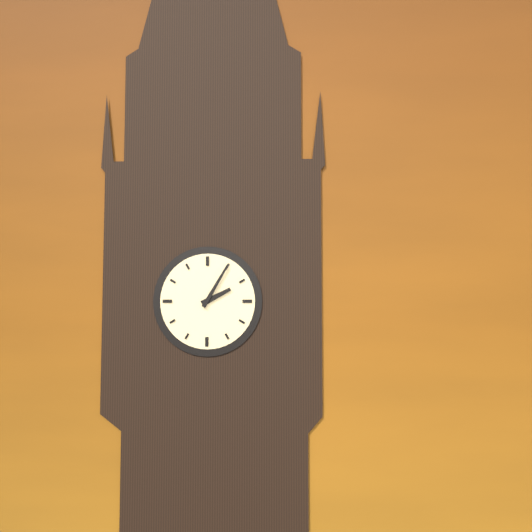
h=2 m=5
